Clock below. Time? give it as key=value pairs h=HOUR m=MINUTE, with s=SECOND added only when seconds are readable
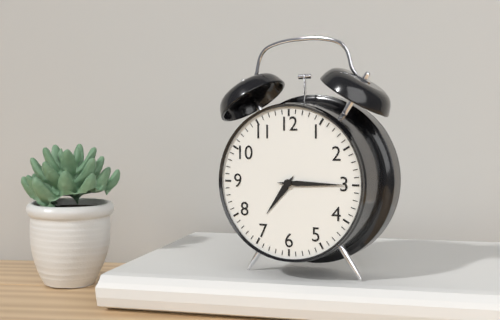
h=7 m=15
